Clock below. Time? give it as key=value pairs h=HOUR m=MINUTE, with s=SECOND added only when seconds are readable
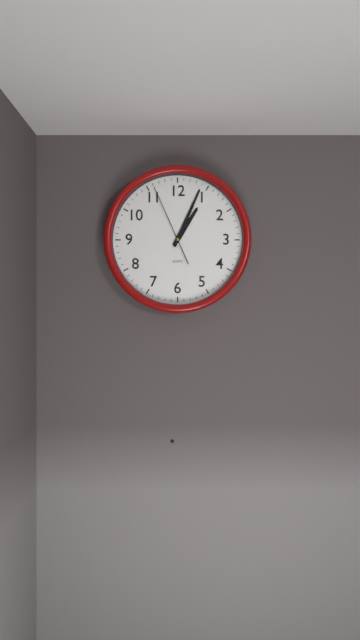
h=1 m=4 s=56
